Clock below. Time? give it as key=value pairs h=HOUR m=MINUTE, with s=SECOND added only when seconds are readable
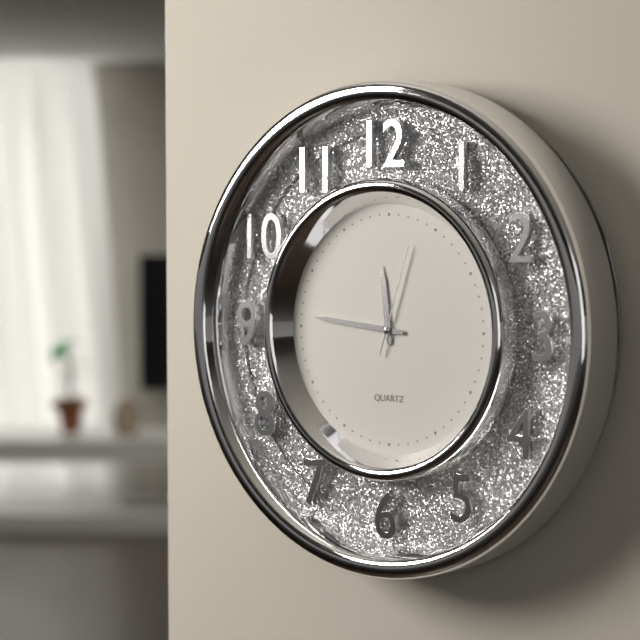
h=11 m=46 s=3
